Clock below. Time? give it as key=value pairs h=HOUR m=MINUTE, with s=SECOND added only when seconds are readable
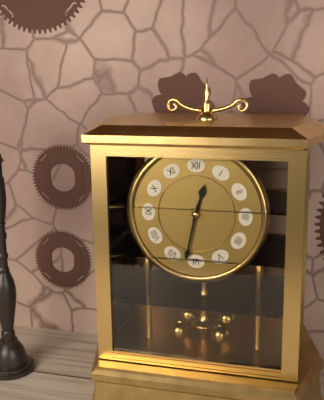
h=12 m=32
